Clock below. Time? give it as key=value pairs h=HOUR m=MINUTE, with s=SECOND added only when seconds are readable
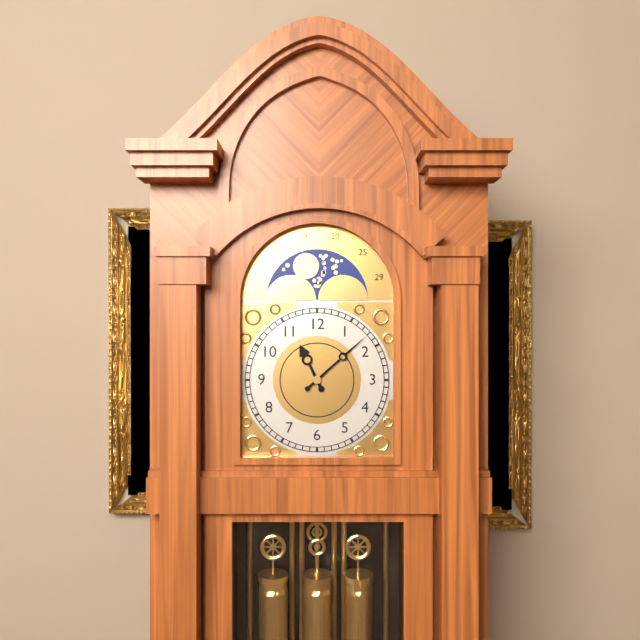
h=11 m=8
